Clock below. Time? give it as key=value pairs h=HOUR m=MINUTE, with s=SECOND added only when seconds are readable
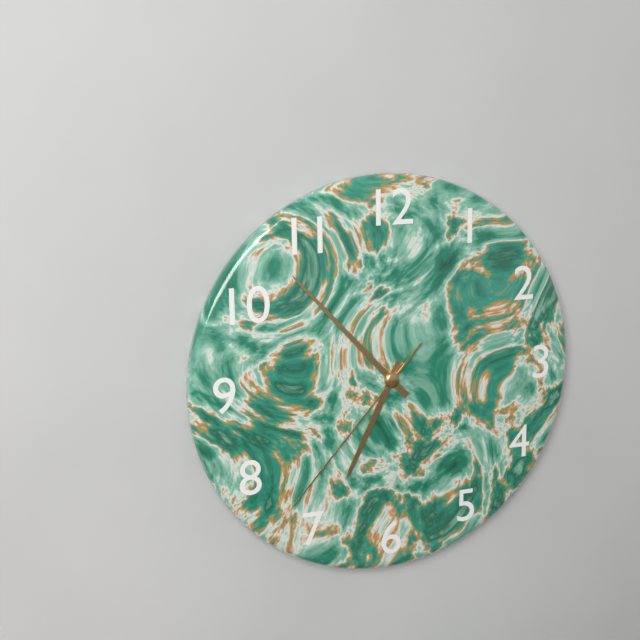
h=6 m=53 s=37
